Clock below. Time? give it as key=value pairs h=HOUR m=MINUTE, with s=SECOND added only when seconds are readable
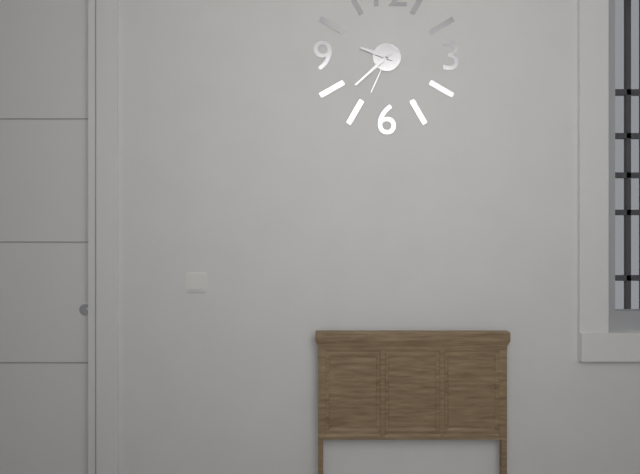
h=9 m=38
